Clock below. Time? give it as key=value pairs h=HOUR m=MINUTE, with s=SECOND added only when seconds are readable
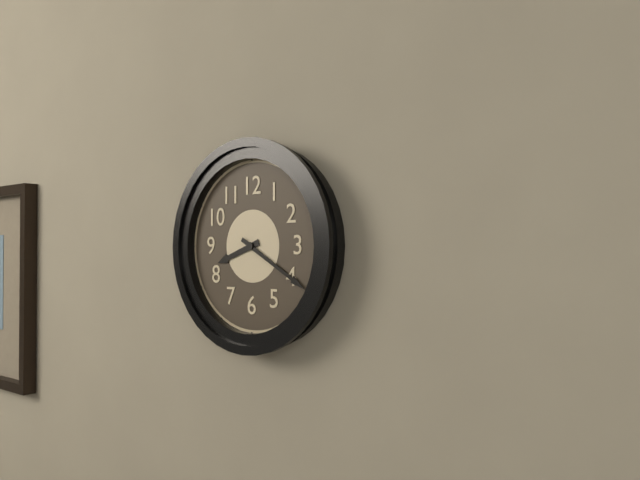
h=8 m=20
